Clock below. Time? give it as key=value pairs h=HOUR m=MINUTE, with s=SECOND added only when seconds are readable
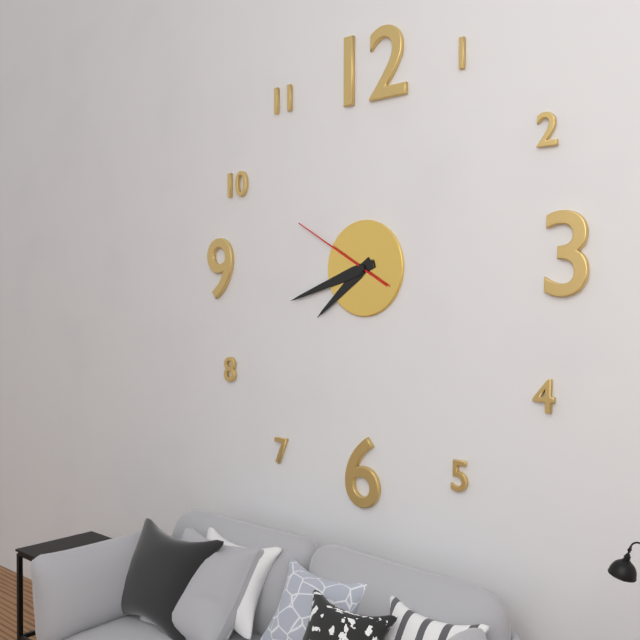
h=7 m=42 s=50
